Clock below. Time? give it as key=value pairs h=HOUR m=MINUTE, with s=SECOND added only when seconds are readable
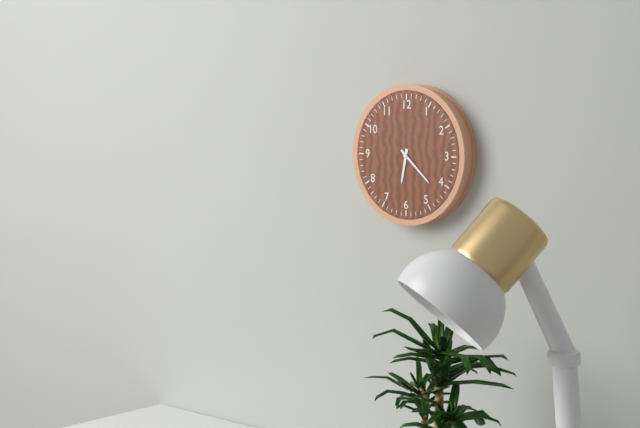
h=6 m=22
